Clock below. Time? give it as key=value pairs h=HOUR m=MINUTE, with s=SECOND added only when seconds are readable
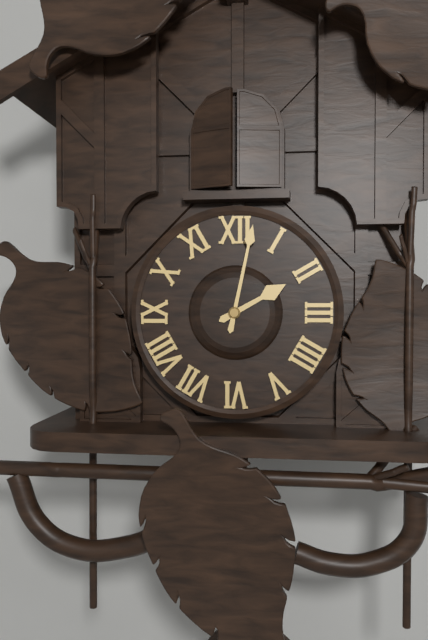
h=2 m=2
